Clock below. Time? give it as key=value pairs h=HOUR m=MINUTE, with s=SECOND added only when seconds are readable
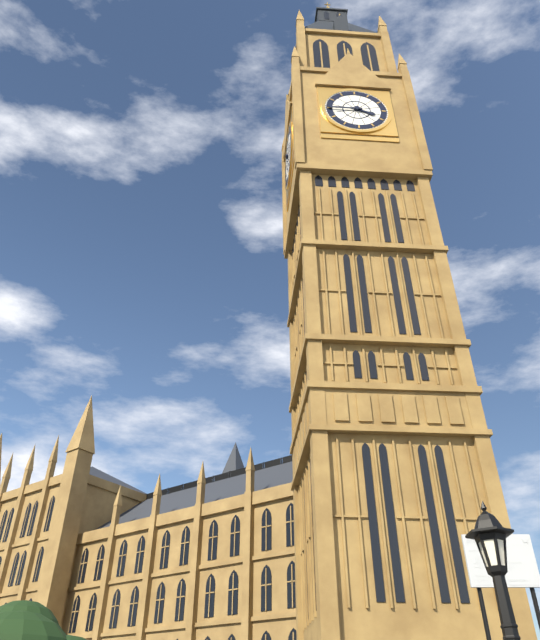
h=3 m=45
